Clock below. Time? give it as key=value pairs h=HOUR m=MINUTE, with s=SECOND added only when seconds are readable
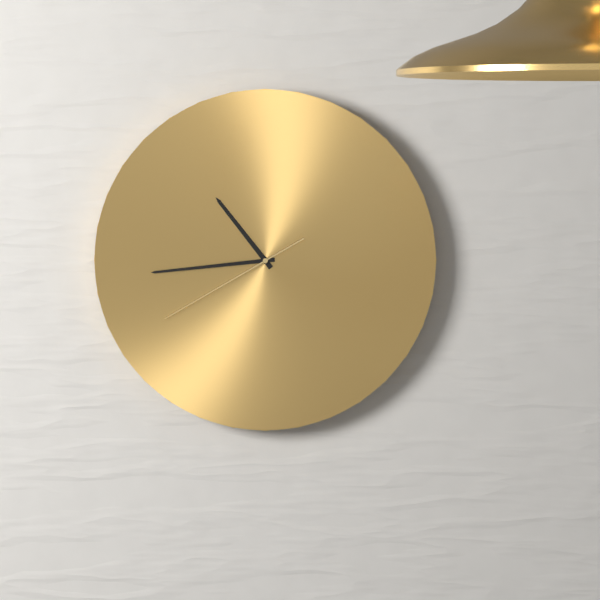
h=10 m=44 s=40
